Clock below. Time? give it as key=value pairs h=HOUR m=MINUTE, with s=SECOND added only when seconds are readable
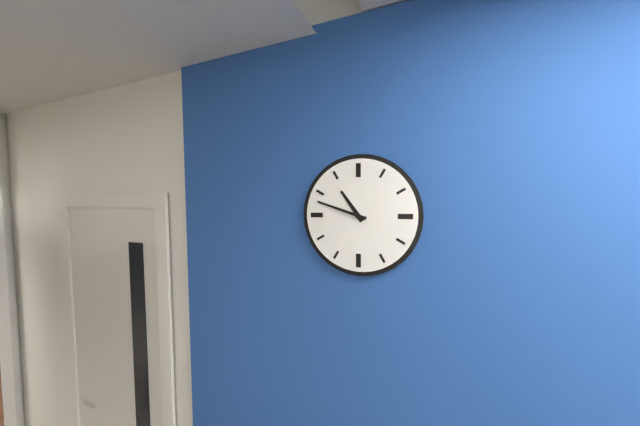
h=10 m=48
